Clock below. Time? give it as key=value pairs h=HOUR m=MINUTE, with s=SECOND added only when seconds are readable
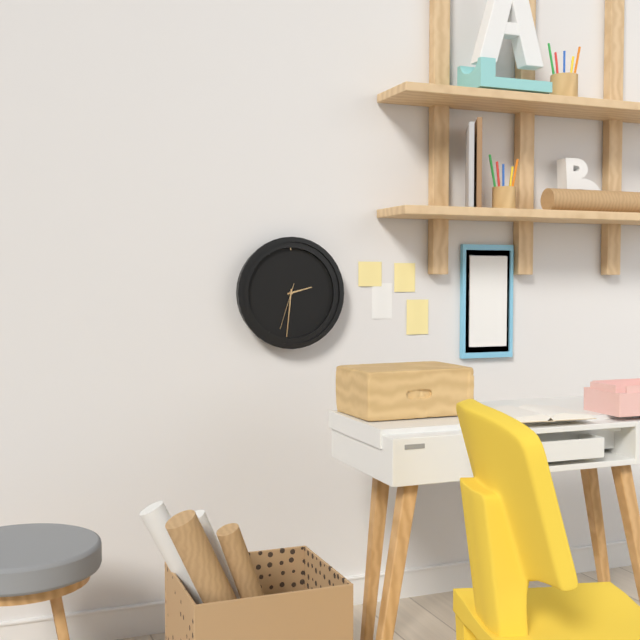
h=2 m=31
